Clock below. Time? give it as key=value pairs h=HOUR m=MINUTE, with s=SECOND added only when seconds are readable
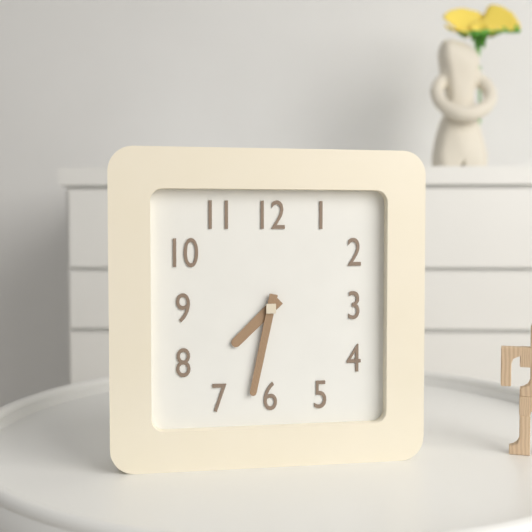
h=7 m=32
